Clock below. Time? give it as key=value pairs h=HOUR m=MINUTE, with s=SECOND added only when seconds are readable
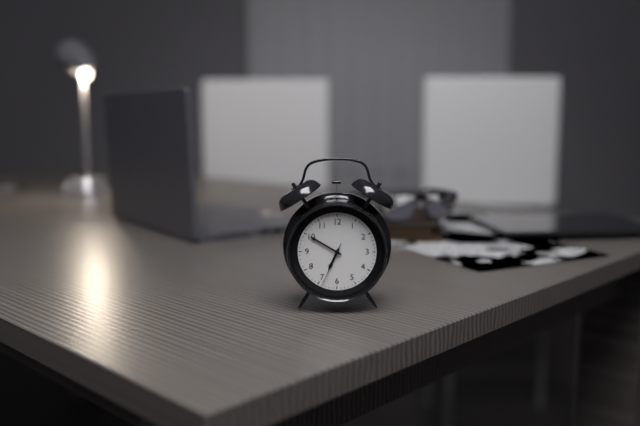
h=6 m=50
